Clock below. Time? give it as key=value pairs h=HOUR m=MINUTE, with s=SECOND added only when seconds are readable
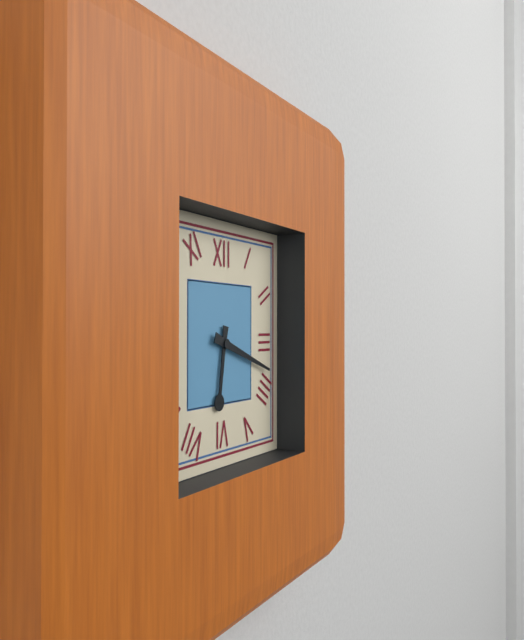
h=6 m=18
